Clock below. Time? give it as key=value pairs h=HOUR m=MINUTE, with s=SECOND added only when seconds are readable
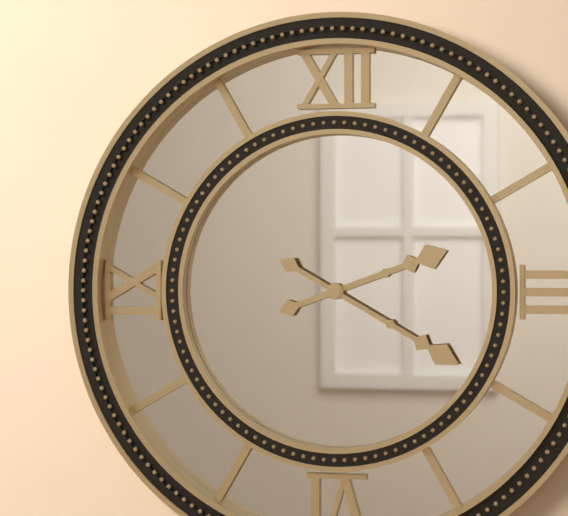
h=2 m=20
